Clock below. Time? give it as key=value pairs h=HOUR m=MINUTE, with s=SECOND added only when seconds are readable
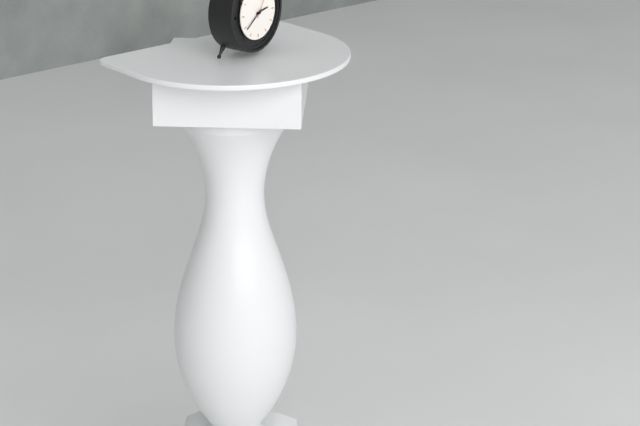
h=2 m=39
